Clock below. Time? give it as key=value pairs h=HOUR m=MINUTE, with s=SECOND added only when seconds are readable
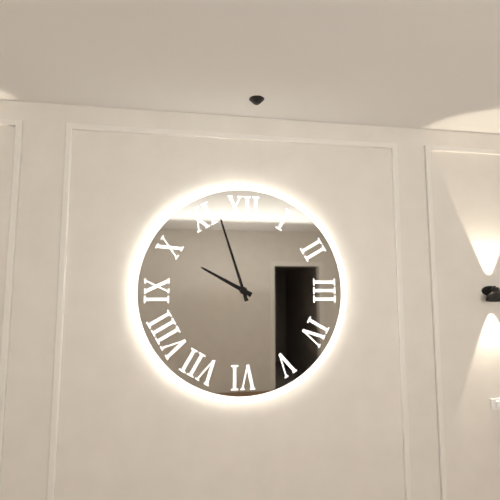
h=9 m=57
